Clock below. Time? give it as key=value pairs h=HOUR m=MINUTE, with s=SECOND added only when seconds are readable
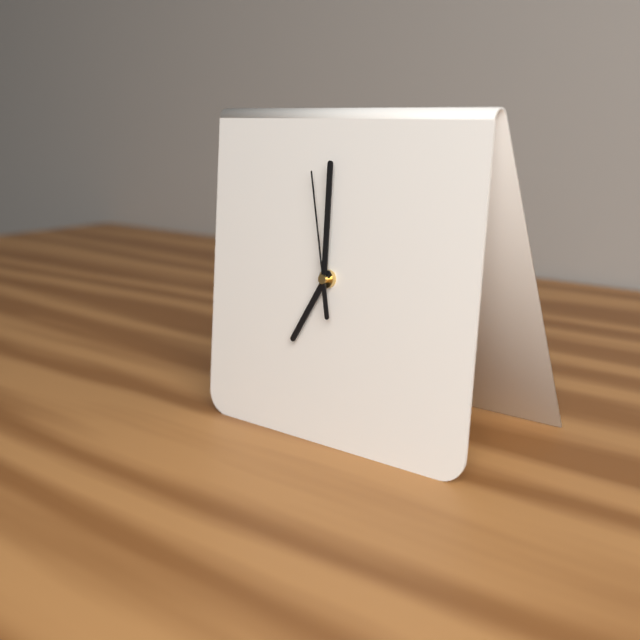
h=7 m=0 s=58
